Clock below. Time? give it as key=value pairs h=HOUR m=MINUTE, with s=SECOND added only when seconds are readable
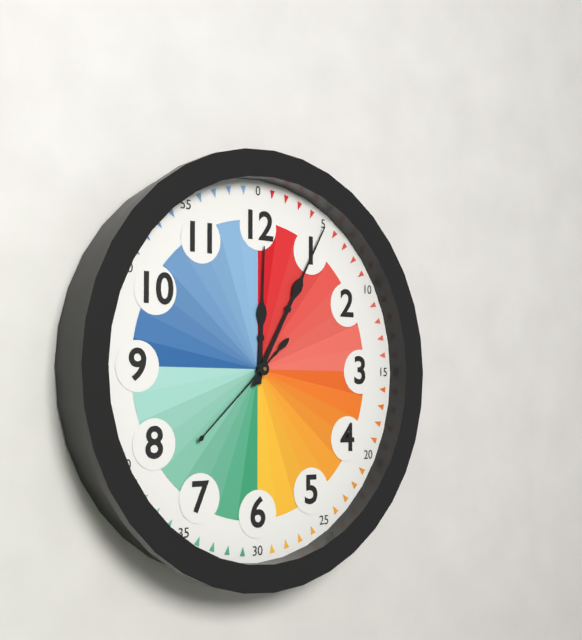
h=12 m=5 s=38
